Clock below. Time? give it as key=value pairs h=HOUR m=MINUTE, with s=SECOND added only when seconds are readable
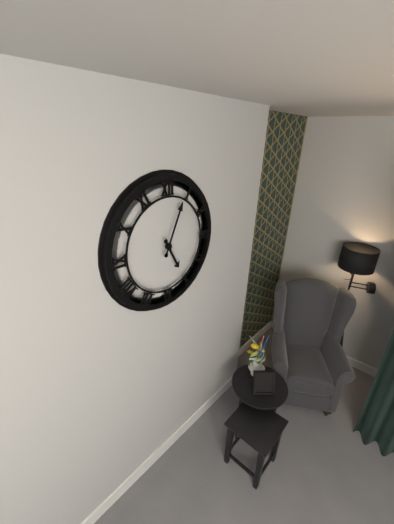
h=5 m=4
